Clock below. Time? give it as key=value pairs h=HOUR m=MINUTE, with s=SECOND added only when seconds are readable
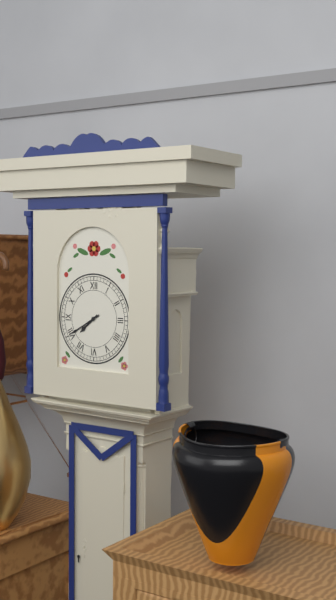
h=7 m=40
